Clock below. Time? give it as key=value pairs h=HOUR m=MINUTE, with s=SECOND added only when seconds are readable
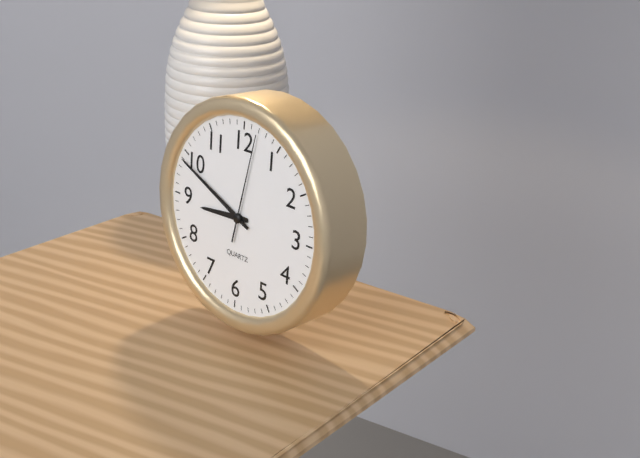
h=8 m=49 s=2
